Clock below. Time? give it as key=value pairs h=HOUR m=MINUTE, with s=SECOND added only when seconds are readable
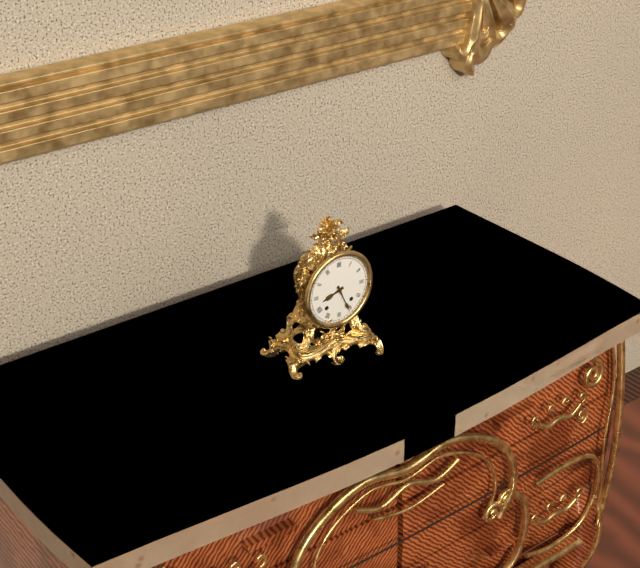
h=8 m=26
